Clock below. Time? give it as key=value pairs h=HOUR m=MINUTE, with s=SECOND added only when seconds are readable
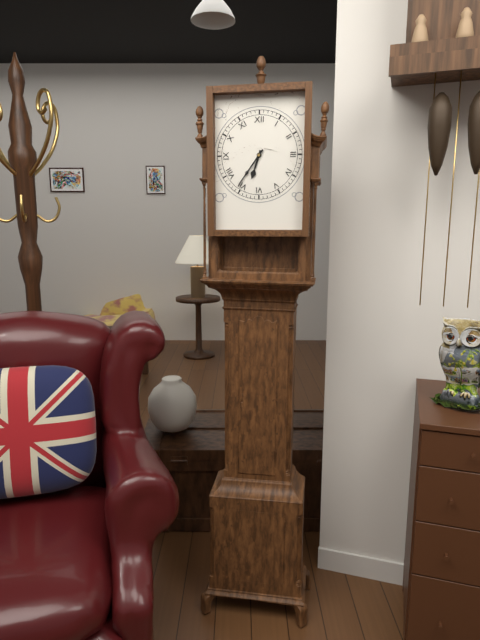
h=6 m=36
